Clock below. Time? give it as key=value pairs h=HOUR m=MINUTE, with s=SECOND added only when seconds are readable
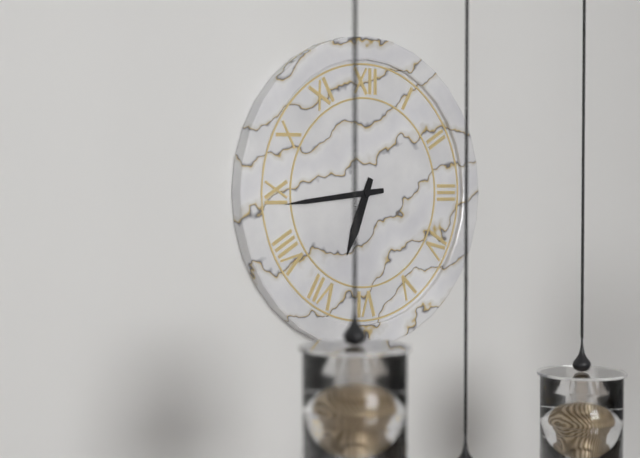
h=6 m=44
